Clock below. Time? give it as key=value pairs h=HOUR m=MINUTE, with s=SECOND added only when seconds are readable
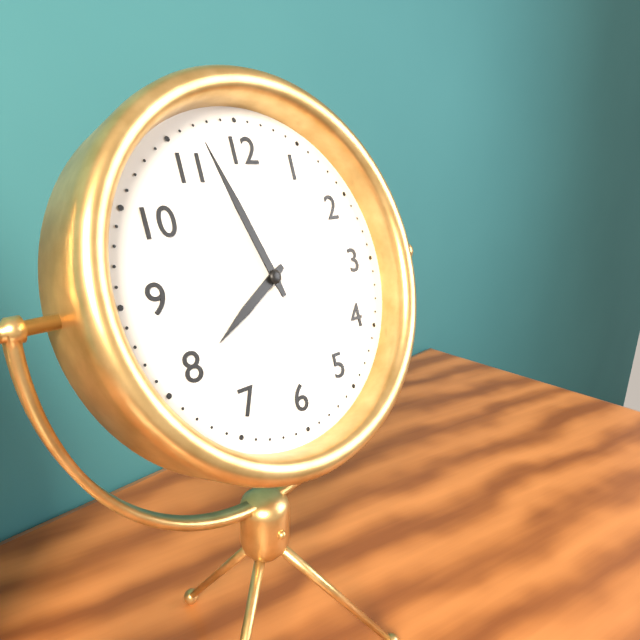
h=7 m=57
